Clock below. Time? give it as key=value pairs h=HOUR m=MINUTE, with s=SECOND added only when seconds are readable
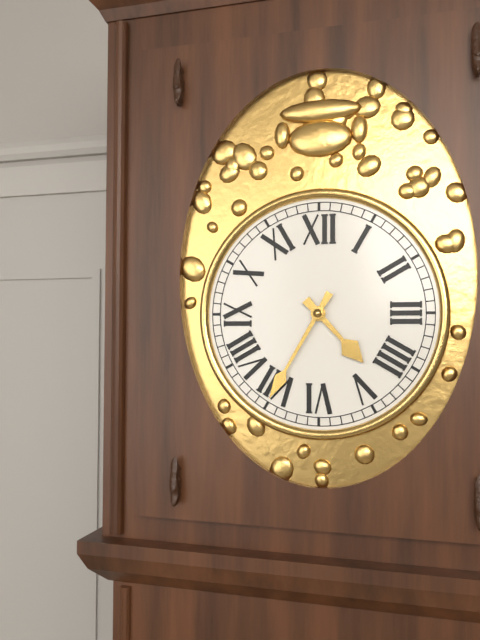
h=4 m=35
